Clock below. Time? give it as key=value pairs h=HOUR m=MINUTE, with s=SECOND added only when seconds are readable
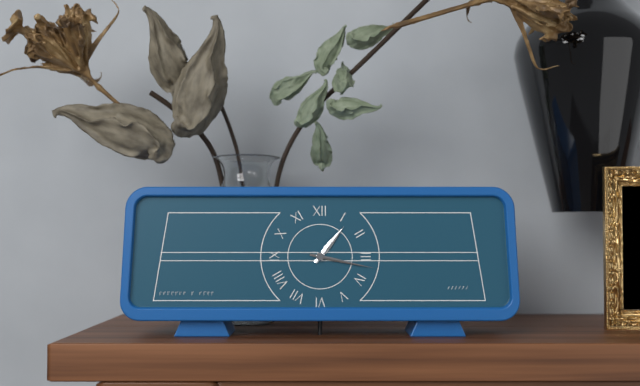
h=1 m=17
